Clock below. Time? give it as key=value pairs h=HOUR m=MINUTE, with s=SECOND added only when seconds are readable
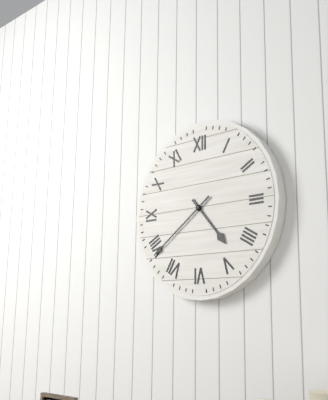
h=4 m=39
